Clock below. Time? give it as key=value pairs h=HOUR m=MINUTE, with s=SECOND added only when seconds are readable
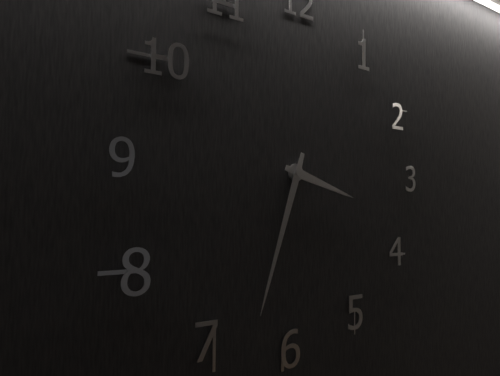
h=3 m=33
